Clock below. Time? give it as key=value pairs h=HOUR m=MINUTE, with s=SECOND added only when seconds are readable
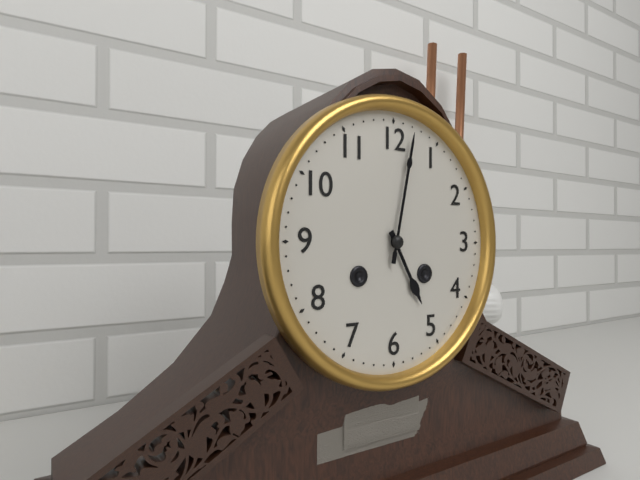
h=5 m=2
